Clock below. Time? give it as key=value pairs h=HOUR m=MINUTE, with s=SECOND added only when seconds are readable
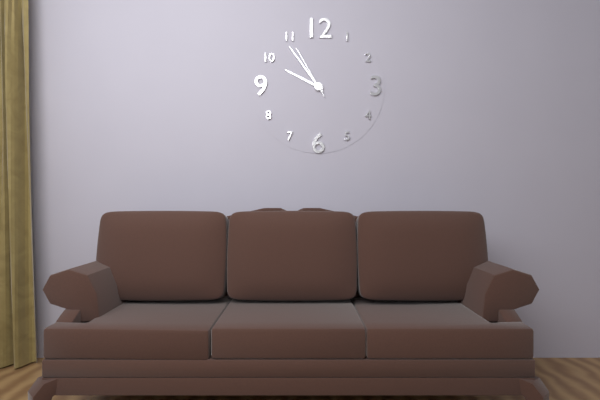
h=9 m=54 s=55
